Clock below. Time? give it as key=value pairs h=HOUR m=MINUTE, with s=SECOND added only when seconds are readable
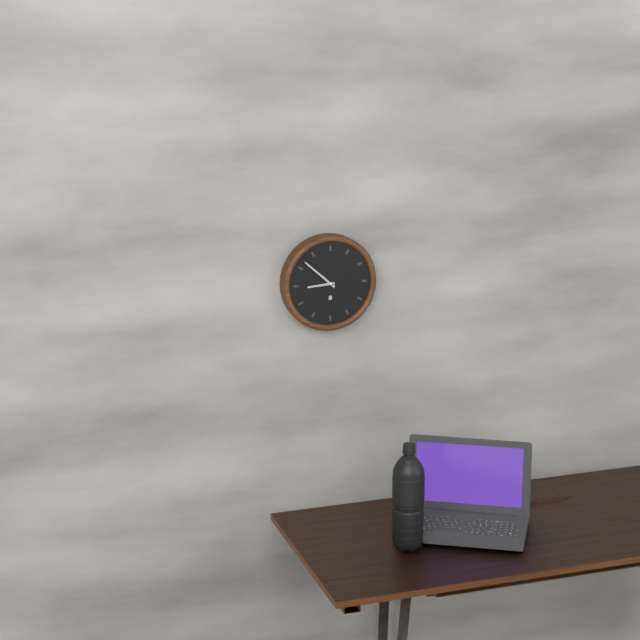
h=8 m=52
